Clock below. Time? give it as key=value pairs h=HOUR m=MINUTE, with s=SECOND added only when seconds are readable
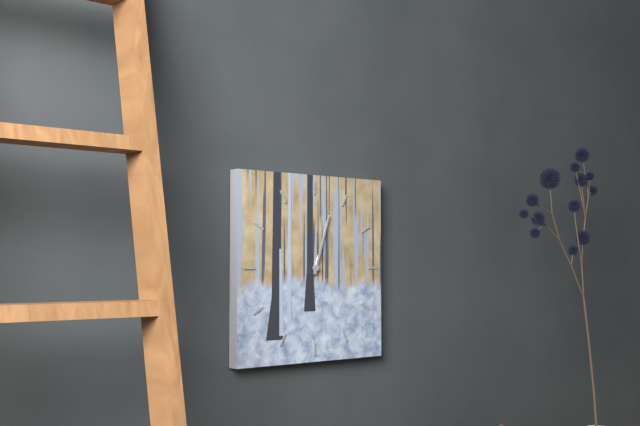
h=12 m=3
